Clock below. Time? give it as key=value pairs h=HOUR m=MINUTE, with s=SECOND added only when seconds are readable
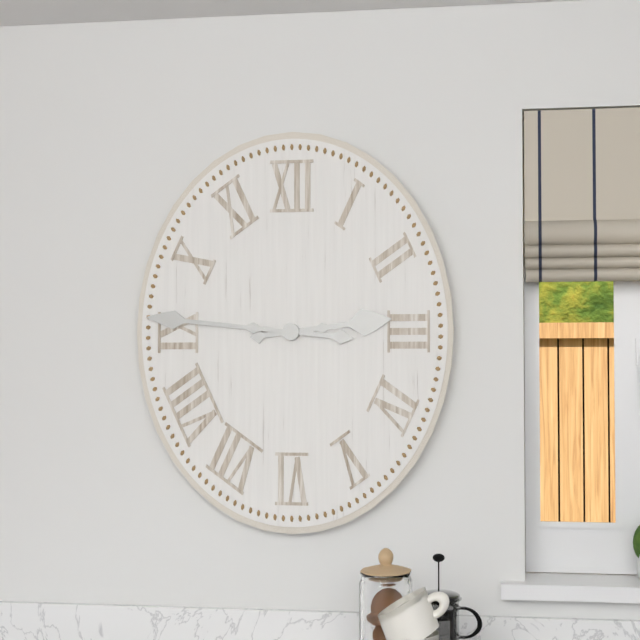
h=2 m=46
